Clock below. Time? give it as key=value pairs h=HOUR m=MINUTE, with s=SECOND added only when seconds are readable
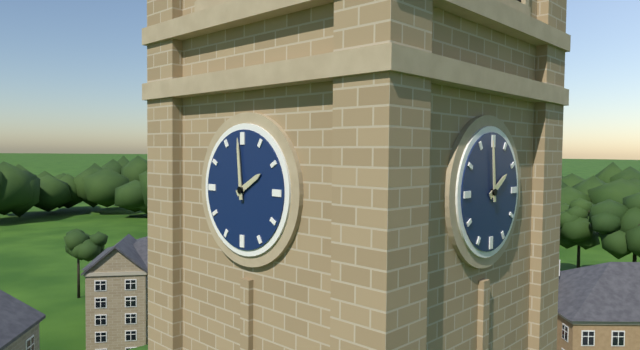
h=1 m=59
